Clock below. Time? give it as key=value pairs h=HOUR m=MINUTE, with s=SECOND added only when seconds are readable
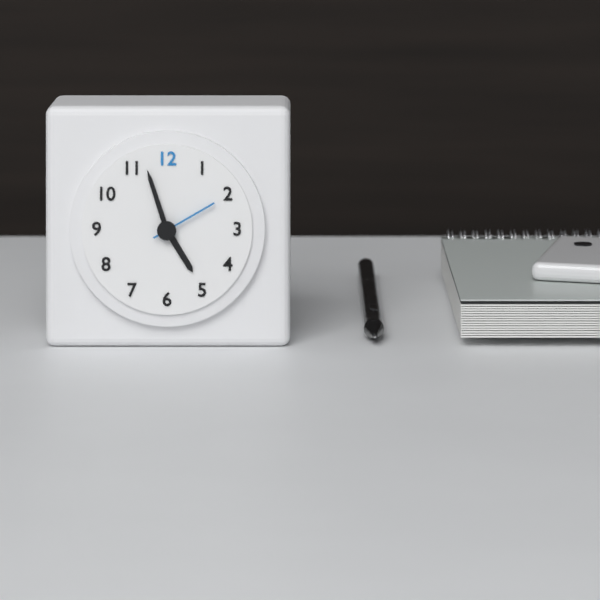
h=4 m=57 s=10
